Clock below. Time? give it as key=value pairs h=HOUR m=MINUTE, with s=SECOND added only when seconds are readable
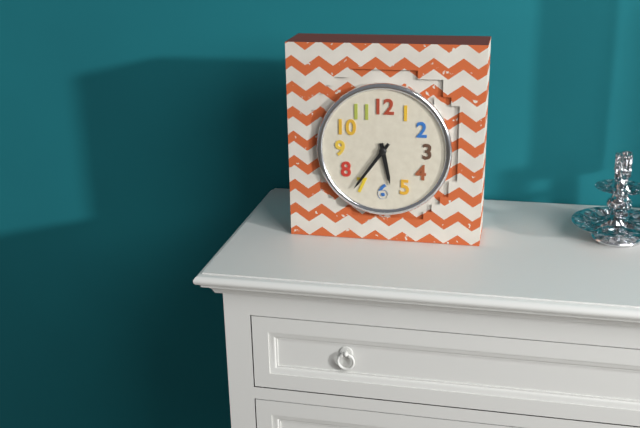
h=5 m=36
